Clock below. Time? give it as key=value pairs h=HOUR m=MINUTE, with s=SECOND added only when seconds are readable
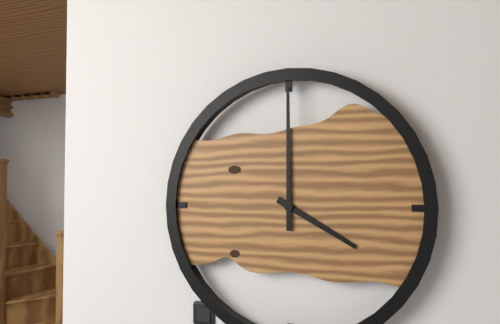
h=4 m=0
